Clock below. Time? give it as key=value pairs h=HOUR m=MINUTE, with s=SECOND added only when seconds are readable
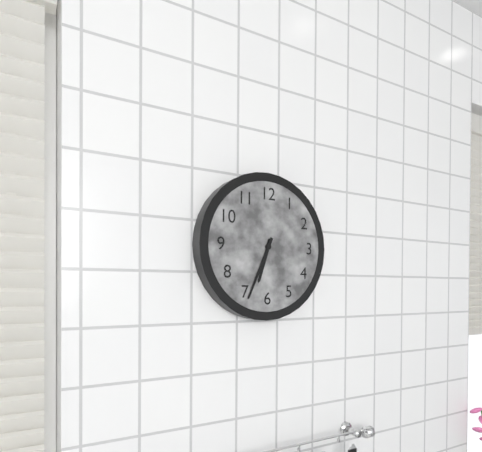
h=6 m=34
